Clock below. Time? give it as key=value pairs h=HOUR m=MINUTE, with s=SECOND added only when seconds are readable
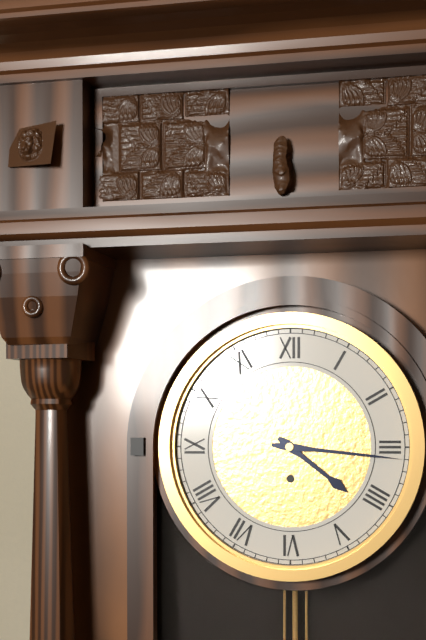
h=4 m=16
